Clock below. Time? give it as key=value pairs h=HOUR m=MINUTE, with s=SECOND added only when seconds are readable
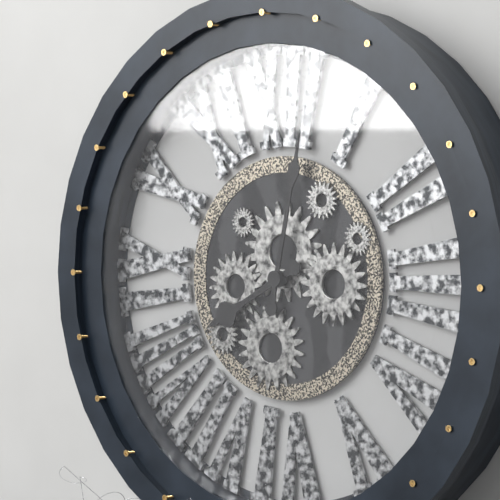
h=8 m=2
